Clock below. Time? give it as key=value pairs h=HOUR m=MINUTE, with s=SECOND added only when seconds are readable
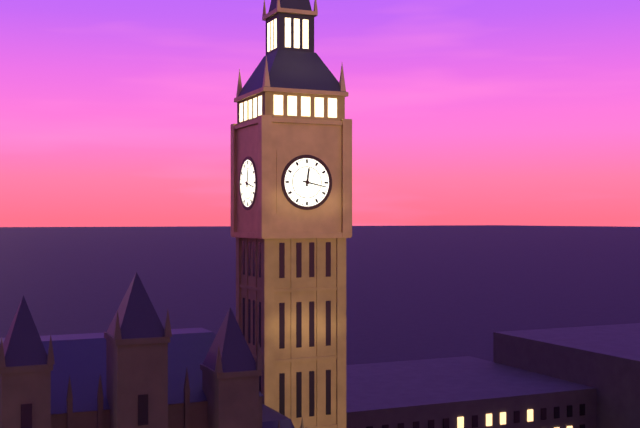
h=12 m=17
